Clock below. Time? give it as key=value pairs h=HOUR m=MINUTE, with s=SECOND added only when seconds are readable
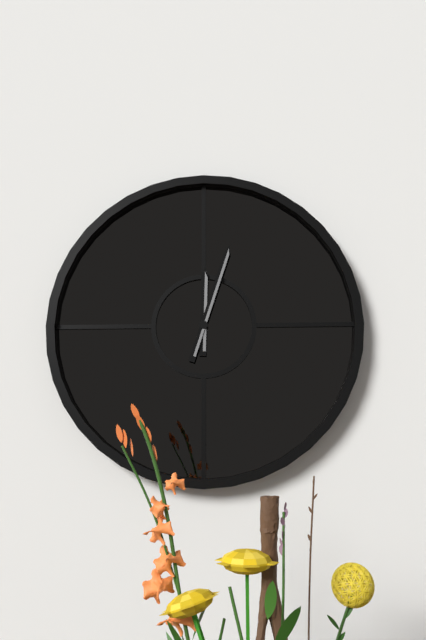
h=12 m=3
